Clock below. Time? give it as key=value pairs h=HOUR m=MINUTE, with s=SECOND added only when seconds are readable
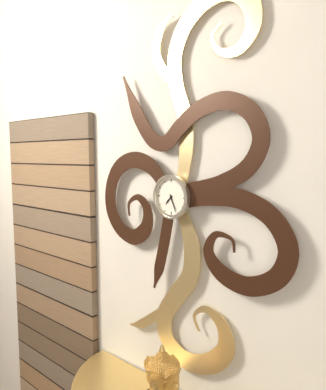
h=7 m=26
